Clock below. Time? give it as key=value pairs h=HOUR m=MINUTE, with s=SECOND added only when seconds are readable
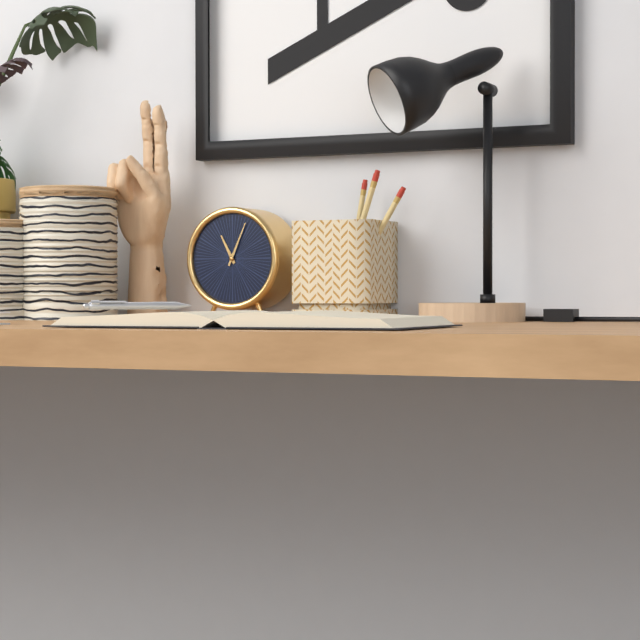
h=11 m=4
